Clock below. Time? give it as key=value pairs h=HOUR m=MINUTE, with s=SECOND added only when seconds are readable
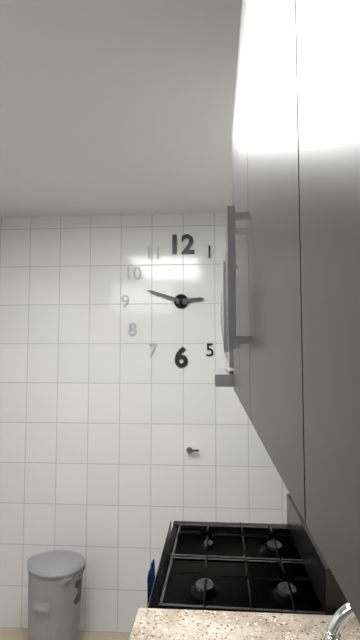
h=2 m=48
